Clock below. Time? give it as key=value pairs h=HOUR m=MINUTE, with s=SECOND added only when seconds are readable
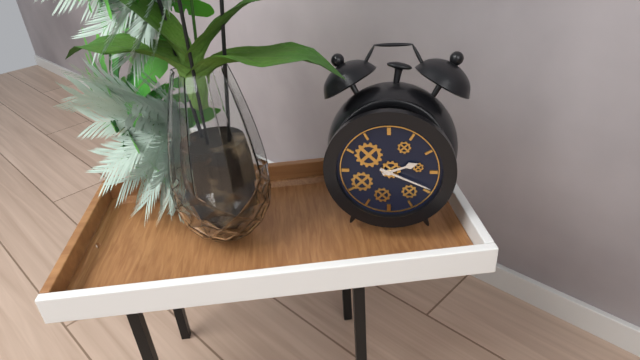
h=2 m=19
